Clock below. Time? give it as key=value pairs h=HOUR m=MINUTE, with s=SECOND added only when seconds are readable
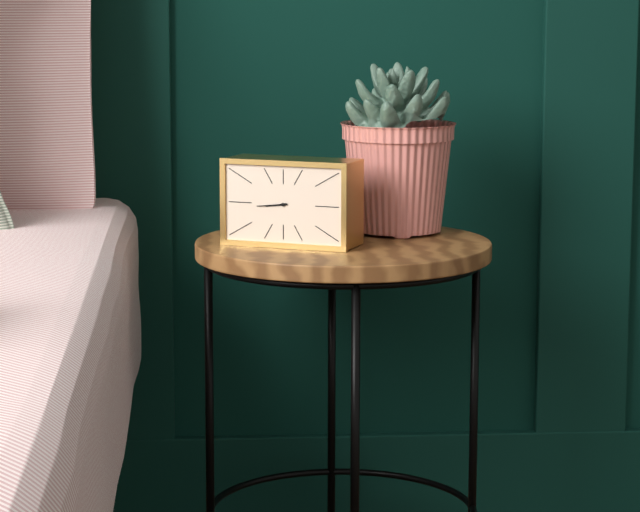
h=8 m=44
